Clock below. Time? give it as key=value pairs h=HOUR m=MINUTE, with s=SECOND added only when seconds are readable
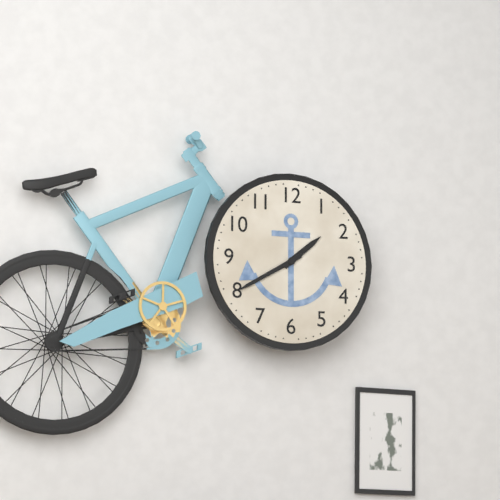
h=1 m=40
